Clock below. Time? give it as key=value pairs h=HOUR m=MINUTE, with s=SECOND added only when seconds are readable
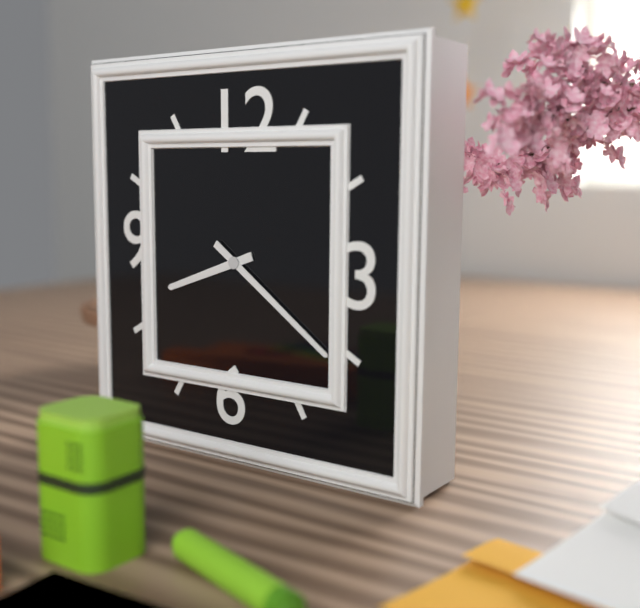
h=8 m=21
